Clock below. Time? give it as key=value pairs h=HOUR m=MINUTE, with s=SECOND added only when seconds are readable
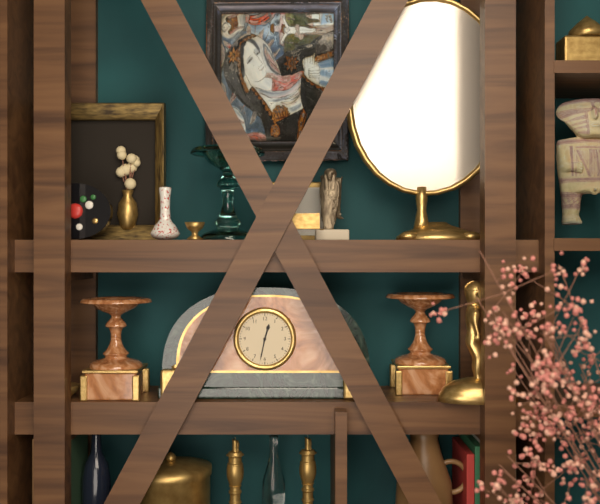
h=12 m=32
